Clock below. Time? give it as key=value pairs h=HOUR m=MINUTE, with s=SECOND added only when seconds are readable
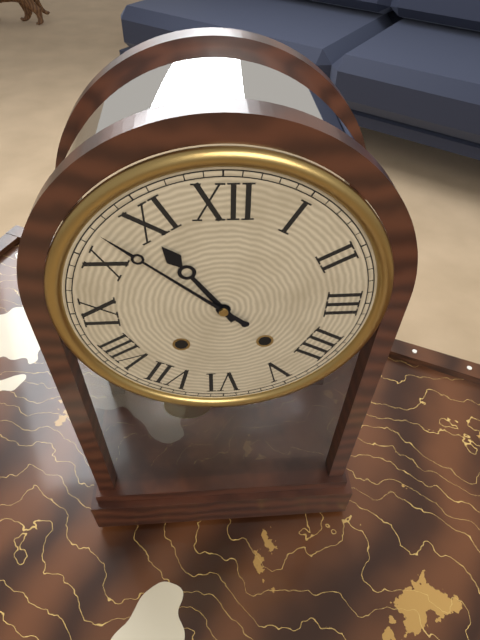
h=10 m=52
